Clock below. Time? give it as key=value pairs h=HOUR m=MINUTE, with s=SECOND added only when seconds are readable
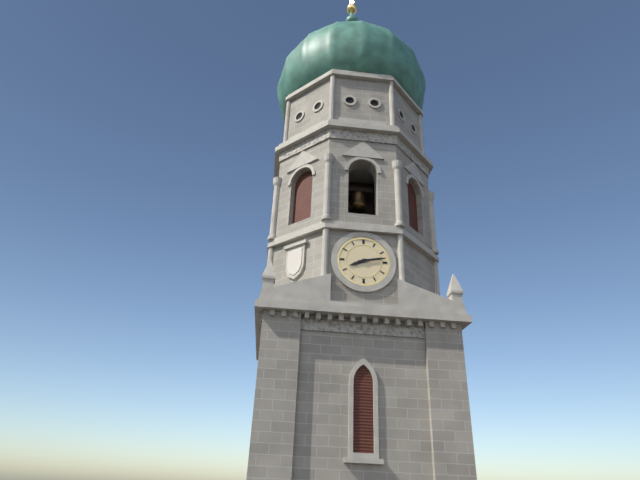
h=8 m=13
